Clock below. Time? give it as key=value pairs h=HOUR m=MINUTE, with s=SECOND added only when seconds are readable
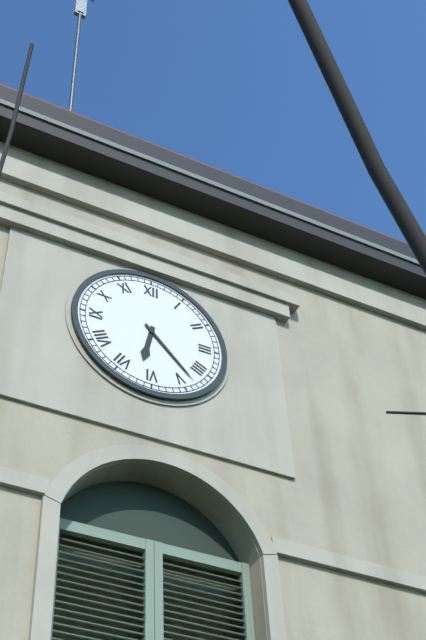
h=6 m=23
